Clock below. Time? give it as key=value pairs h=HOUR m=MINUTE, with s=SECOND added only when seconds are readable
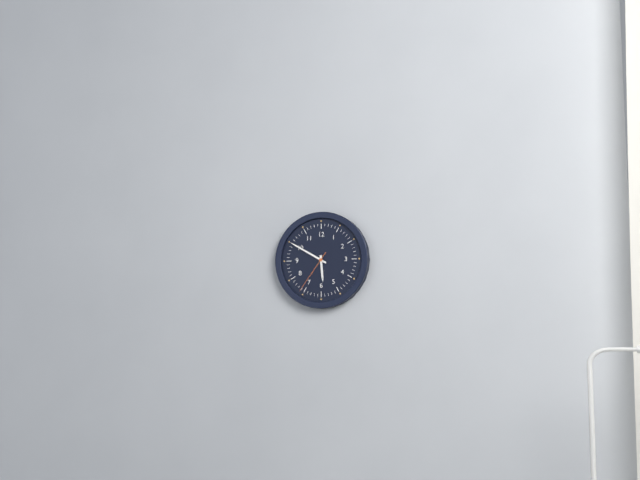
h=5 m=50
